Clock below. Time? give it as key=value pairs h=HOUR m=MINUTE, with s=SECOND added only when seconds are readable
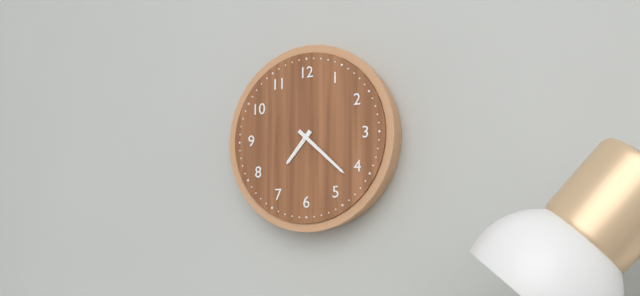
h=7 m=22
